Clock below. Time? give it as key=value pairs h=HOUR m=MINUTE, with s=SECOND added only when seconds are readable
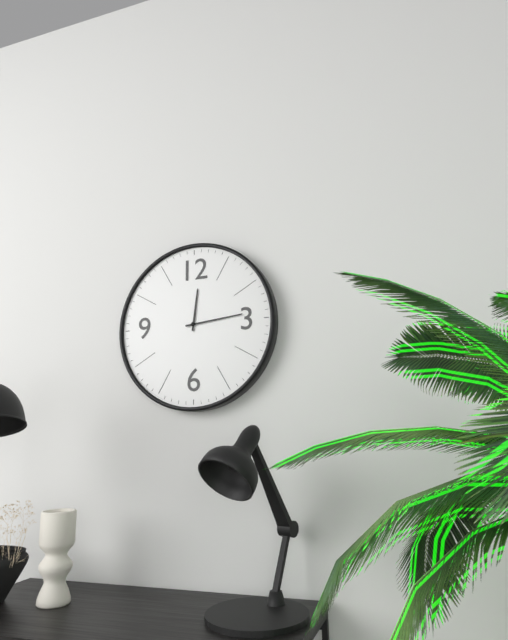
h=12 m=14
